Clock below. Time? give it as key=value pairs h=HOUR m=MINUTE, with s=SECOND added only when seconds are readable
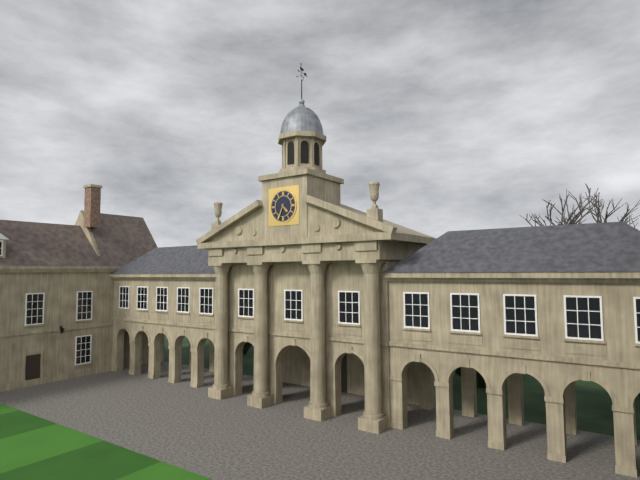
h=4 m=34
